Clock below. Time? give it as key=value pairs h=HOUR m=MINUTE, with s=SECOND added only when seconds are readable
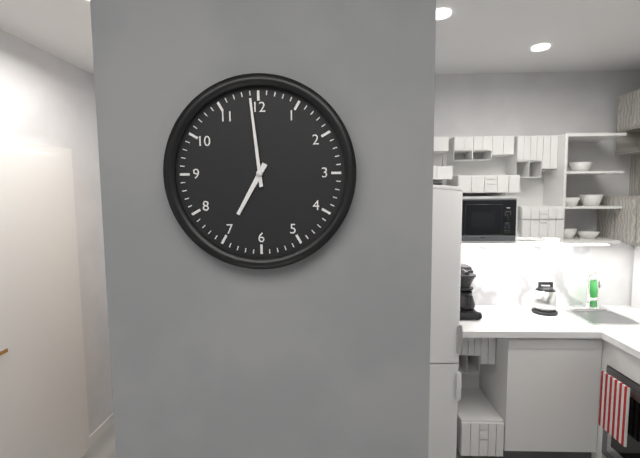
h=6 m=59
